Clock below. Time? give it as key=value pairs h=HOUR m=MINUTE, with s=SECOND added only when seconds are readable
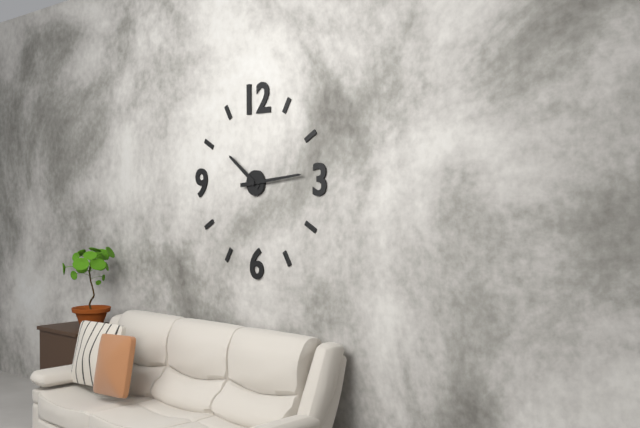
h=10 m=14
